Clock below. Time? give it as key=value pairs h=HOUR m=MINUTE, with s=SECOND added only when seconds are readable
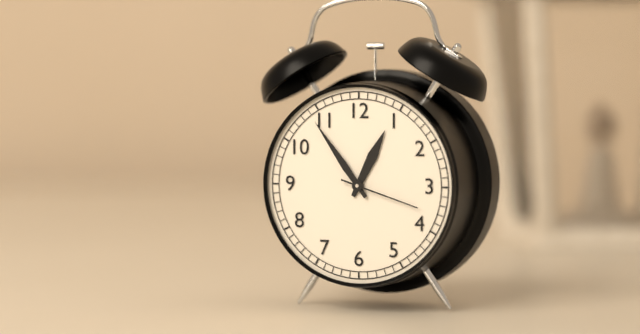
h=12 m=54 s=18
